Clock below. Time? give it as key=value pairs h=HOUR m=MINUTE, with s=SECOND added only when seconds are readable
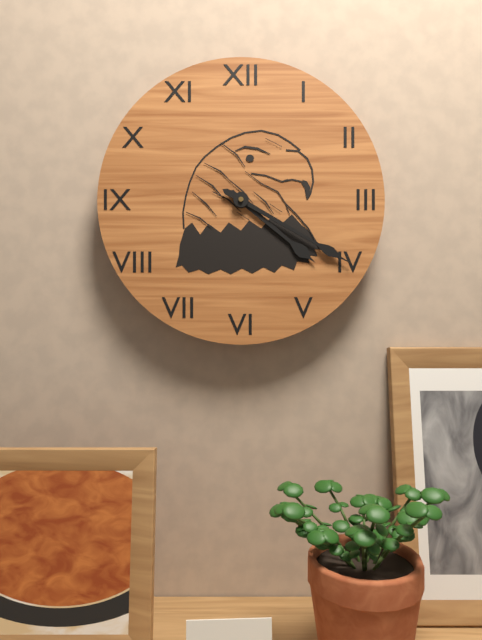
h=4 m=20
